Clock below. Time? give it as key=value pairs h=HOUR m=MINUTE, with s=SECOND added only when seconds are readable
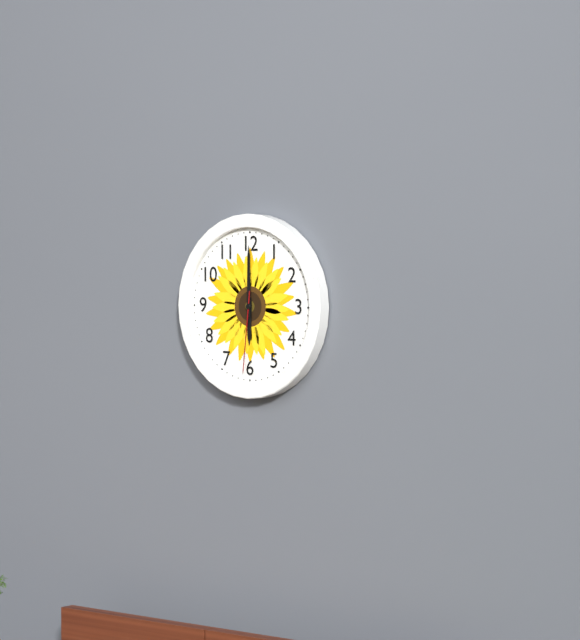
h=6 m=0 s=31
